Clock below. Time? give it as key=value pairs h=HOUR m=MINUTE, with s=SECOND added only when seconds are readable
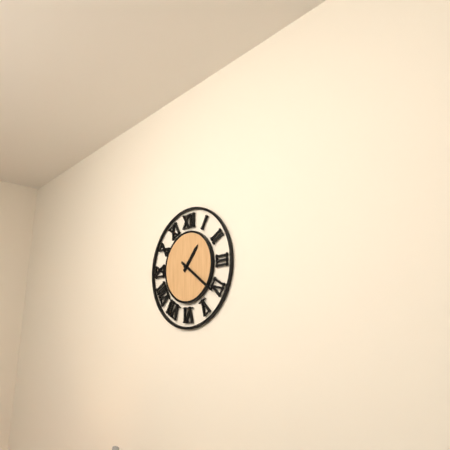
h=1 m=21
